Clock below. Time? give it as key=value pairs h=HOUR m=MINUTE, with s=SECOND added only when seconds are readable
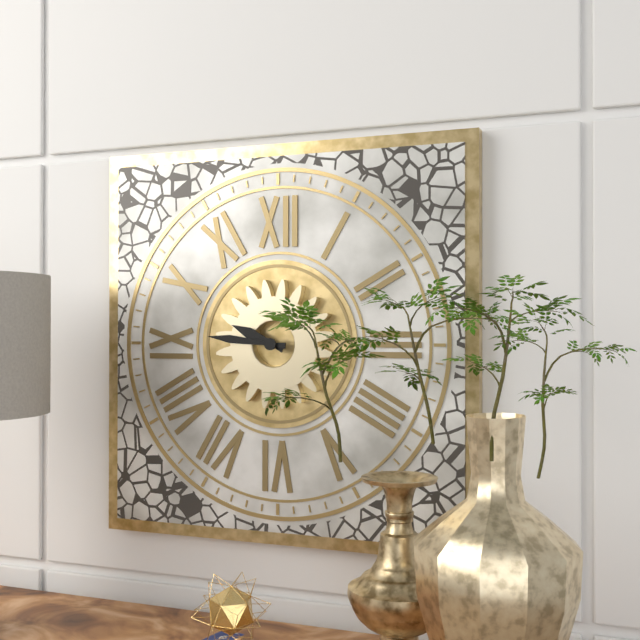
h=9 m=46
